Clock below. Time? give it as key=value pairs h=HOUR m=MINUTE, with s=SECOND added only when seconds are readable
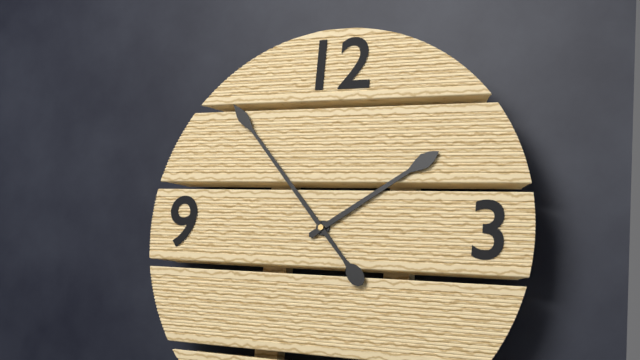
h=1 m=53
